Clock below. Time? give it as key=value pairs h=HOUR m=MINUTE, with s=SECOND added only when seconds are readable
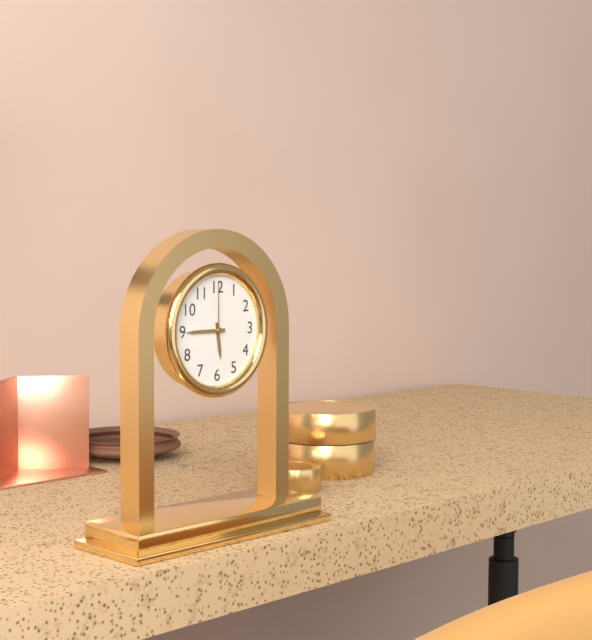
h=5 m=45 s=0
